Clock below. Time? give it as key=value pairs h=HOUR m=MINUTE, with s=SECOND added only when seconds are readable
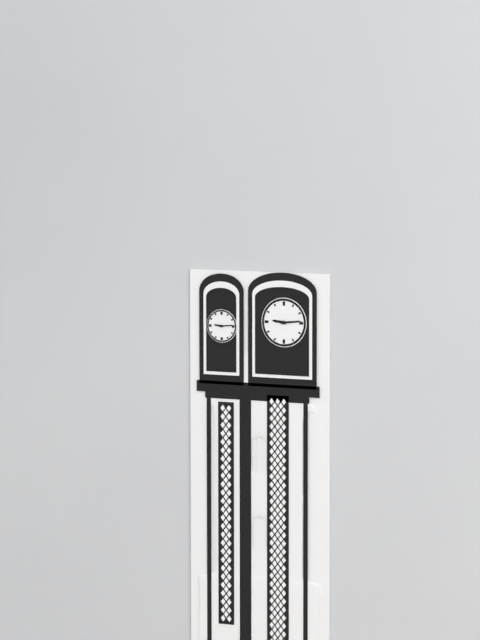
h=9 m=14
